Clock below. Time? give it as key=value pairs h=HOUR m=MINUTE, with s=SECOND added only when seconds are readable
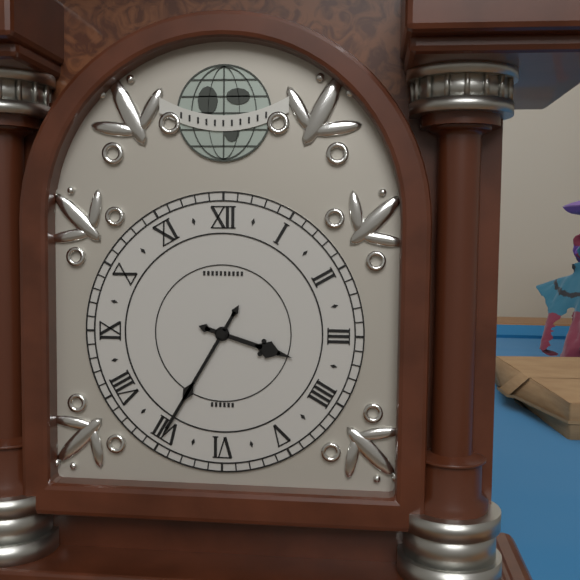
h=3 m=35
